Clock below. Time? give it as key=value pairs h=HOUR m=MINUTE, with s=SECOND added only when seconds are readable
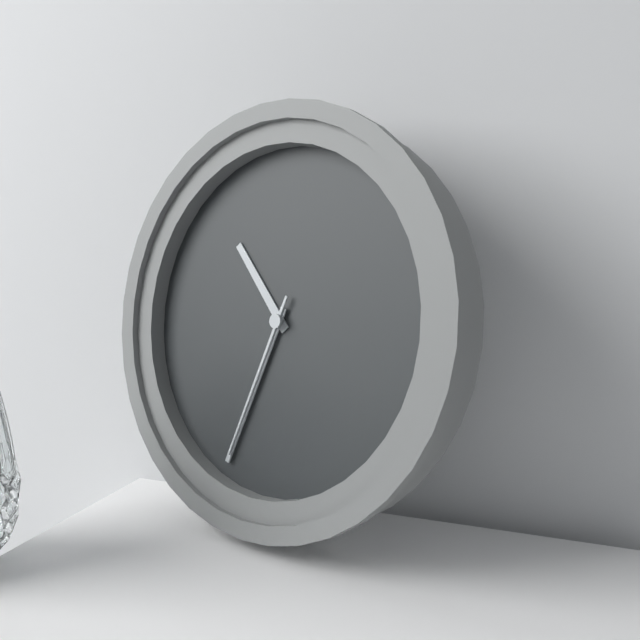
h=10 m=33 s=33
